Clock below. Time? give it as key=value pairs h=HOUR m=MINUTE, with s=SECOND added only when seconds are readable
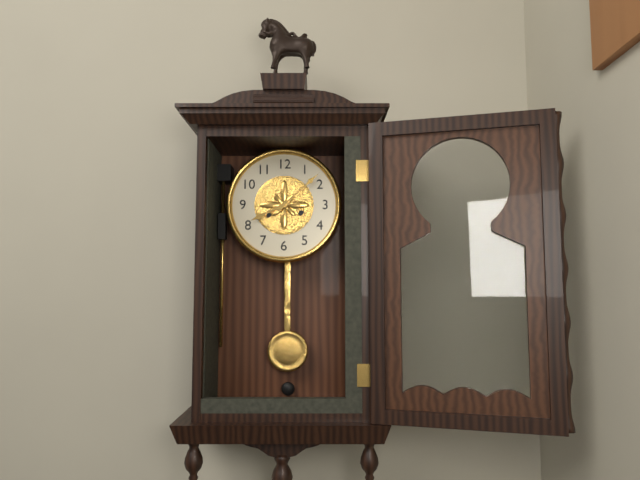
h=8 m=8
